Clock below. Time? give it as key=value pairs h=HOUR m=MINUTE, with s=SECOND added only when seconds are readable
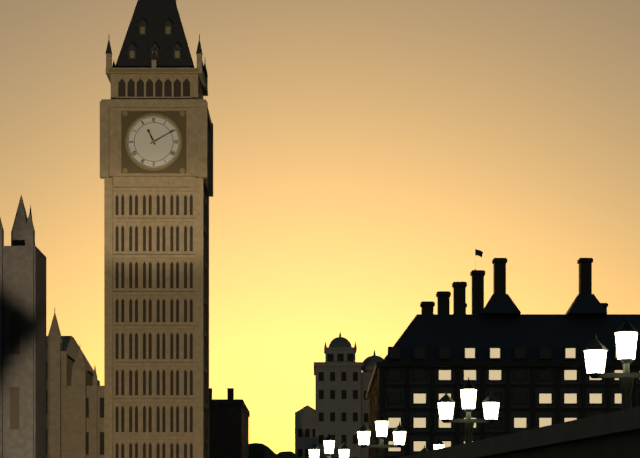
h=11 m=10
